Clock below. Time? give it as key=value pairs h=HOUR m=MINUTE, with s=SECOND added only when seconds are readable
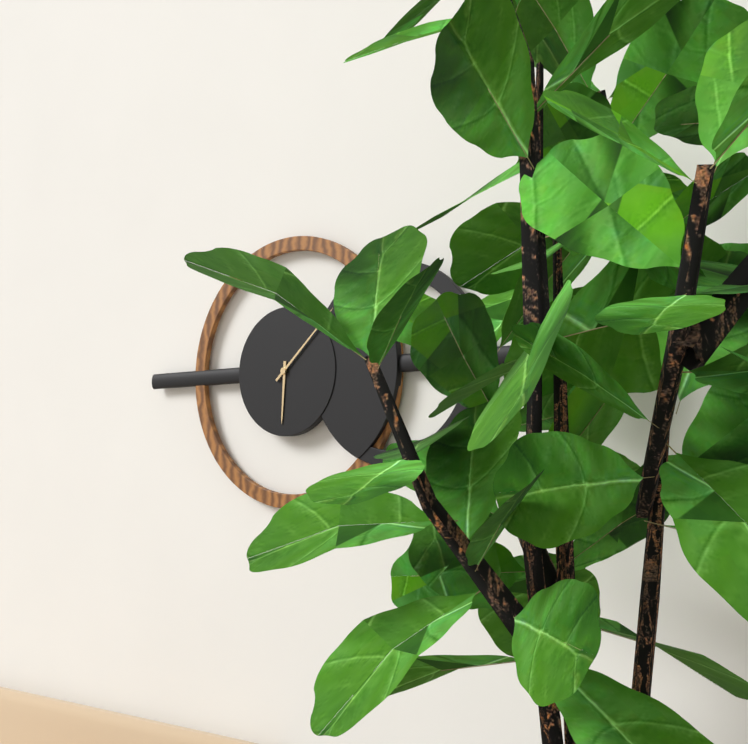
h=6 m=8
